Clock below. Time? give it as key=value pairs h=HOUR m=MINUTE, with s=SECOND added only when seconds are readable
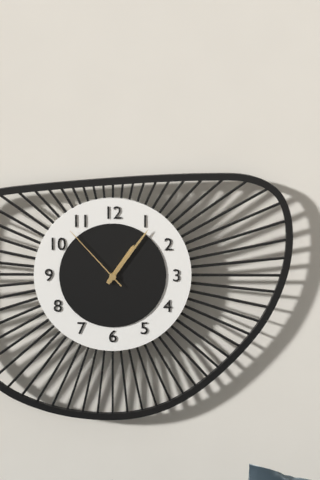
h=1 m=6 s=53
